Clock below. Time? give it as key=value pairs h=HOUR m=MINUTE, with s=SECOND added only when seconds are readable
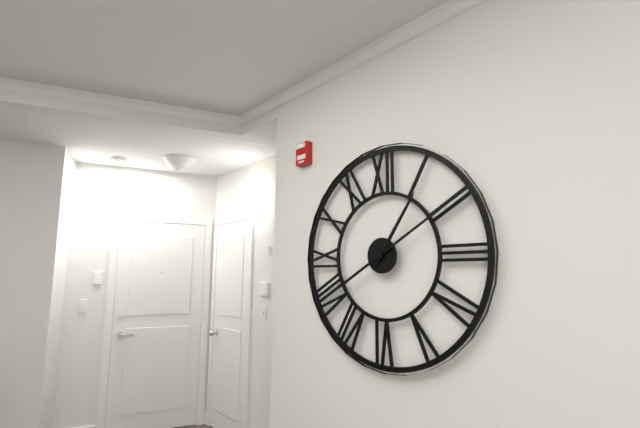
h=1 m=10
